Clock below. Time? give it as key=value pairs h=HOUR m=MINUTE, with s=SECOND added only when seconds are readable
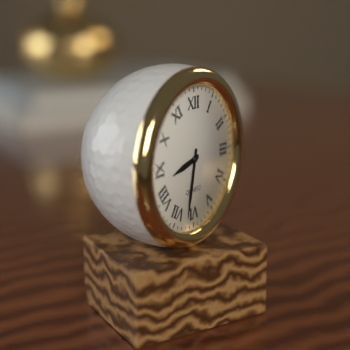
h=8 m=32
